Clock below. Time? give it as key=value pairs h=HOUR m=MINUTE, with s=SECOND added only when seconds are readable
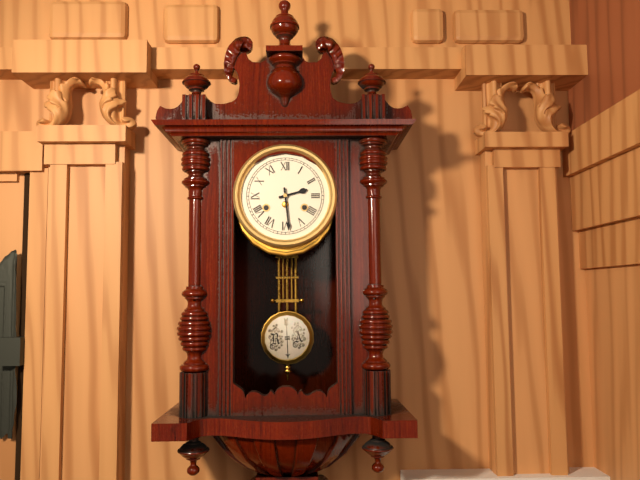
h=2 m=29
